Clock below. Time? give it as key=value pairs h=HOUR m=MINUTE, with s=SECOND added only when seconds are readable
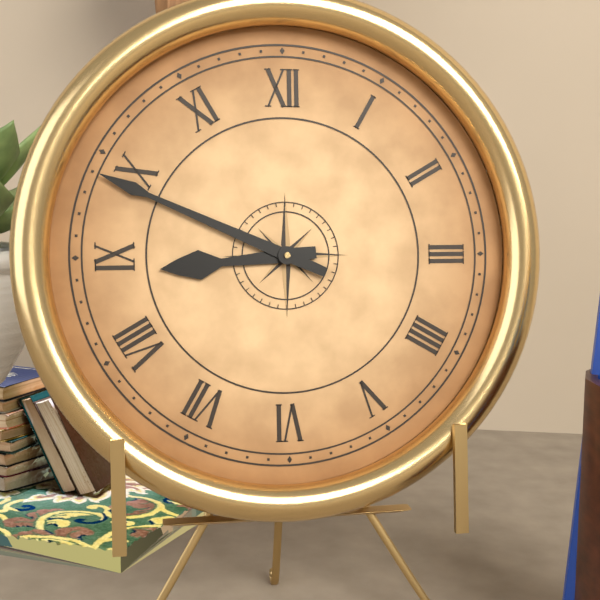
h=8 m=49
